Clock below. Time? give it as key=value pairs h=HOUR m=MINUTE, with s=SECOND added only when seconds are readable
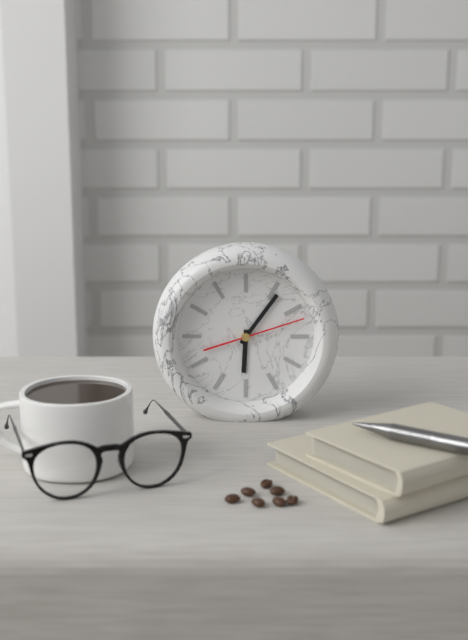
h=6 m=6 s=12
